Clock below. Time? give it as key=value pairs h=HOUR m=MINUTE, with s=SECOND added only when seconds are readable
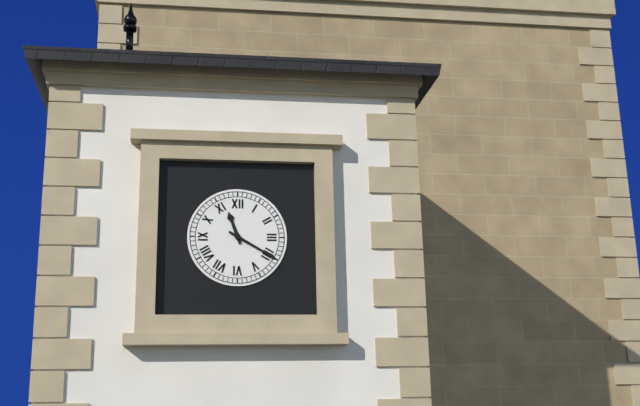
h=11 m=20
